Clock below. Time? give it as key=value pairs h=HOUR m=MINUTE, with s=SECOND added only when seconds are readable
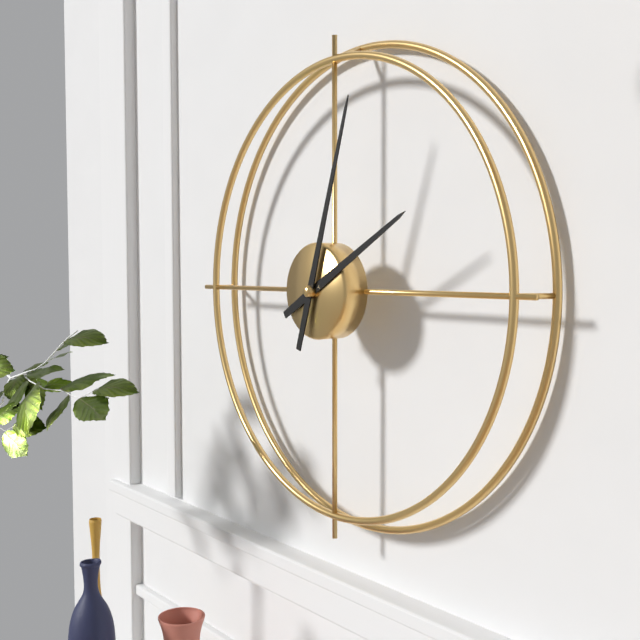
h=2 m=3
